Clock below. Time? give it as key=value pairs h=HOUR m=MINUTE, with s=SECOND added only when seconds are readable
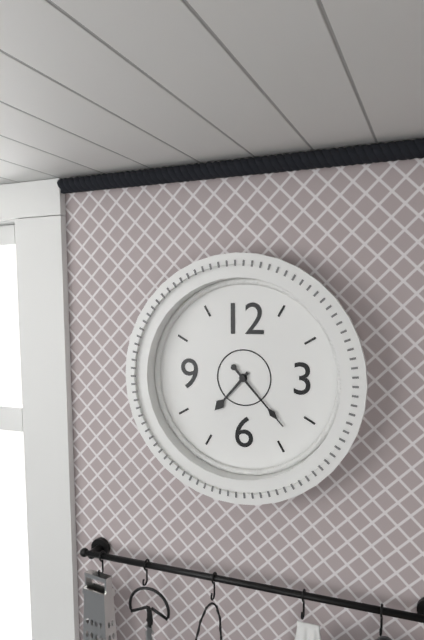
h=7 m=23
